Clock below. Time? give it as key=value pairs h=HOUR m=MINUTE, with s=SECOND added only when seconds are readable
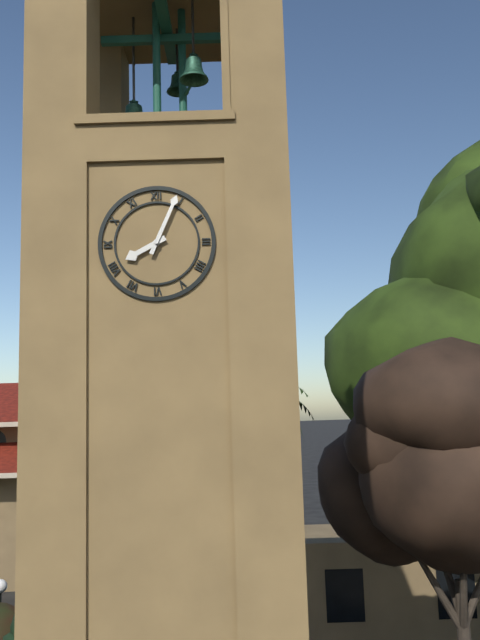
h=8 m=4
